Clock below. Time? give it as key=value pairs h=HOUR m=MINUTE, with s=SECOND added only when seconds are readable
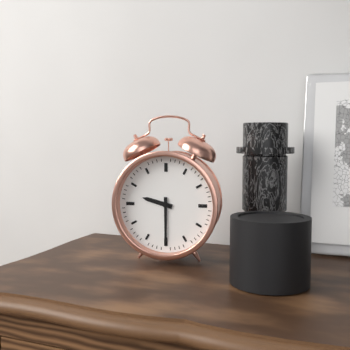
h=9 m=30
